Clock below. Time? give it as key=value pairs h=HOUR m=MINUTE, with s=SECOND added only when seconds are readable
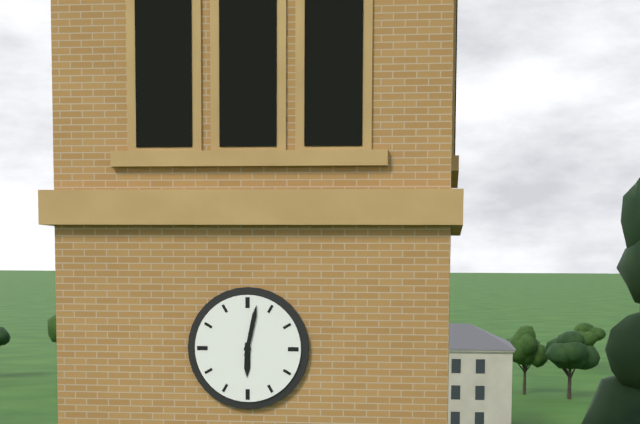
h=6 m=2
